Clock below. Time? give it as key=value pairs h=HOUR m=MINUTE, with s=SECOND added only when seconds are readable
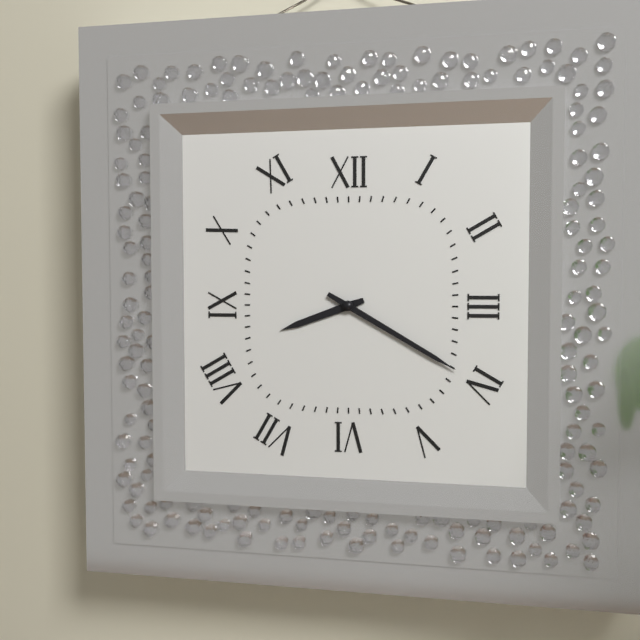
h=8 m=20
